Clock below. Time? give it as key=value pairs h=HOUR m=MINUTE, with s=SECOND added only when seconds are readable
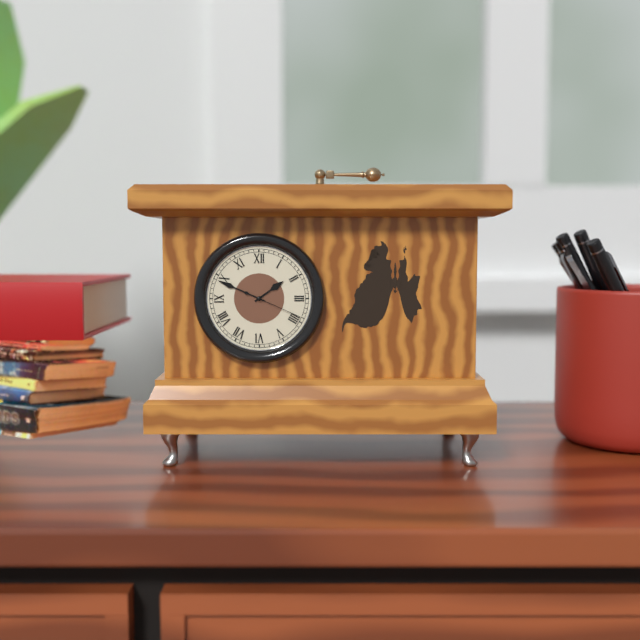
h=1 m=49 s=19
